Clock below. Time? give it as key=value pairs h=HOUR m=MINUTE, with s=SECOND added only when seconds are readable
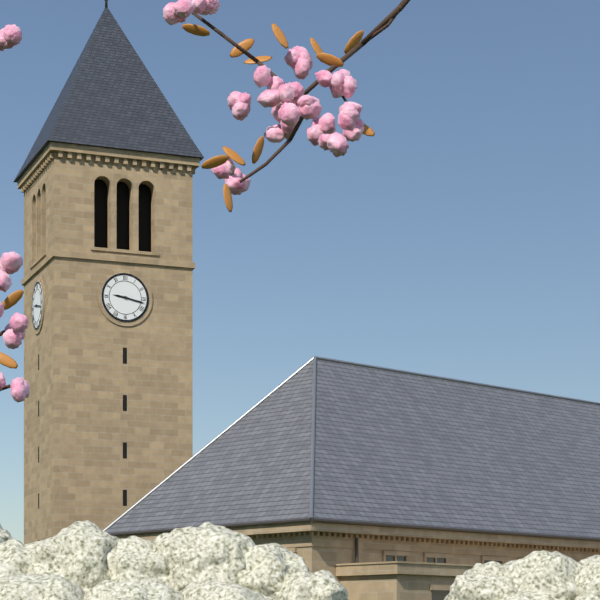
h=9 m=17
